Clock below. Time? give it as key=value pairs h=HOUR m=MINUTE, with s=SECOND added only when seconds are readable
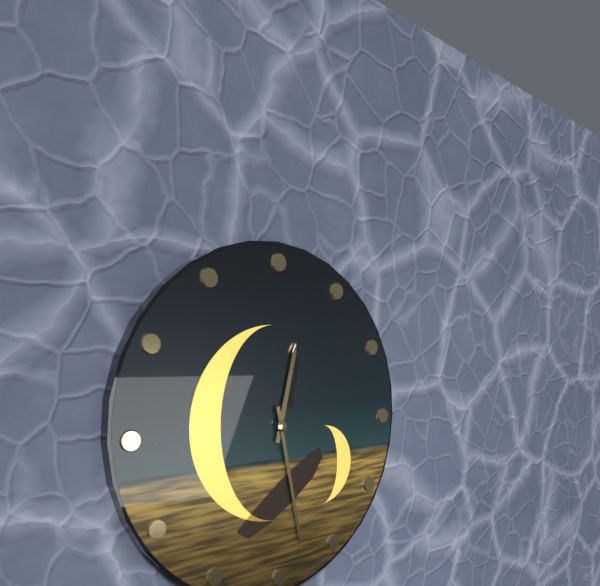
h=12 m=28
